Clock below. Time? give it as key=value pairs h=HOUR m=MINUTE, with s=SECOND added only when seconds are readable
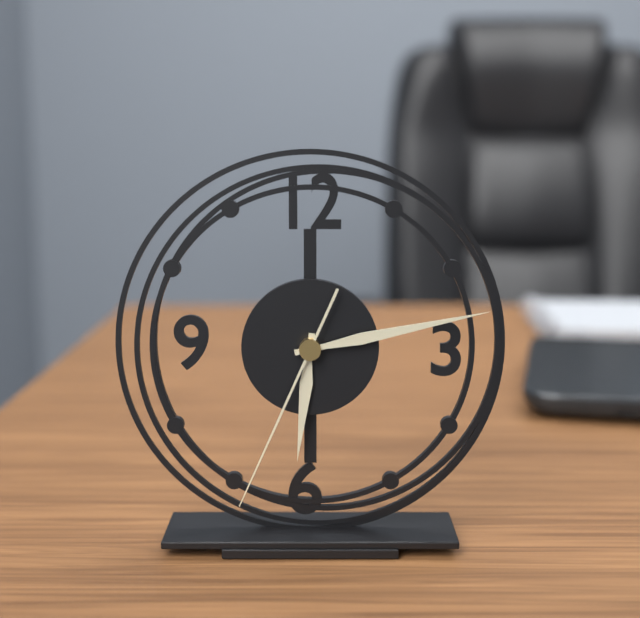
h=6 m=13 s=34
